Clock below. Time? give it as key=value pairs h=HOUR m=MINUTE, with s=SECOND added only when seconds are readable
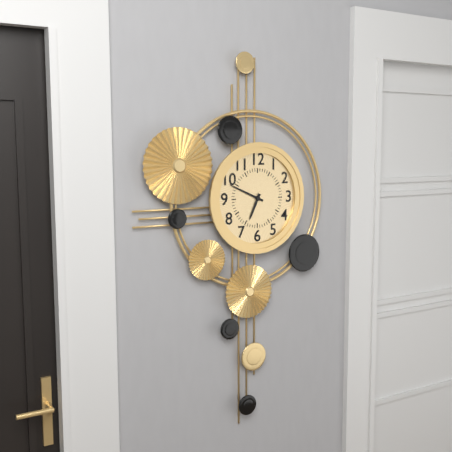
h=6 m=49
